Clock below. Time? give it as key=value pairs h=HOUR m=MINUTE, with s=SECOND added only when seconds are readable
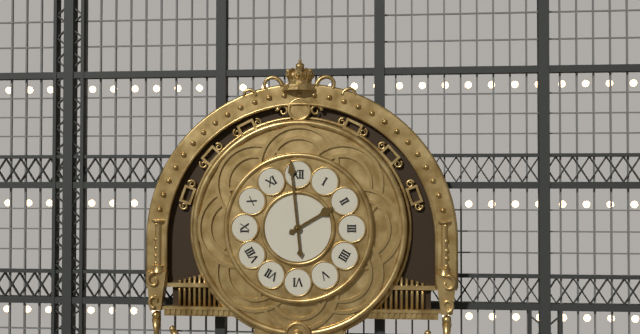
h=1 m=59
